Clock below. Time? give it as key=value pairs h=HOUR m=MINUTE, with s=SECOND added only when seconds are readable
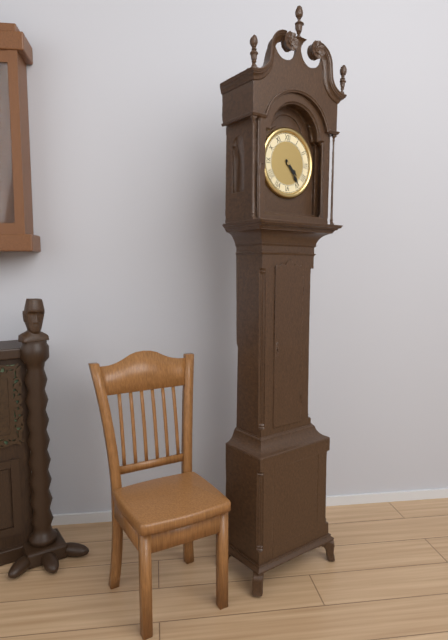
h=4 m=24
